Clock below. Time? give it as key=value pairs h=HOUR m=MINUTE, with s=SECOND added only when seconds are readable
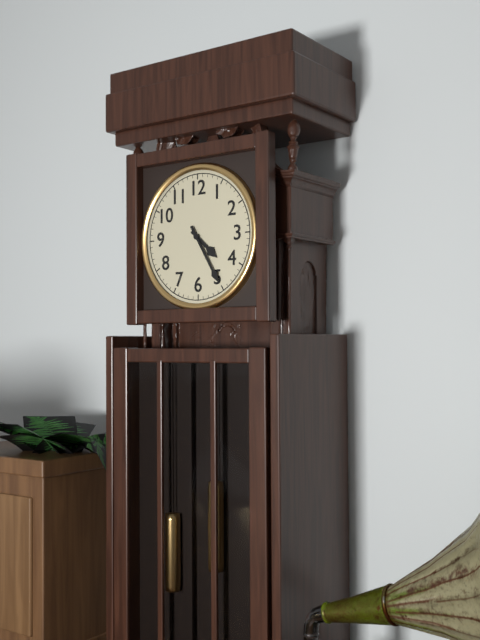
h=4 m=25
